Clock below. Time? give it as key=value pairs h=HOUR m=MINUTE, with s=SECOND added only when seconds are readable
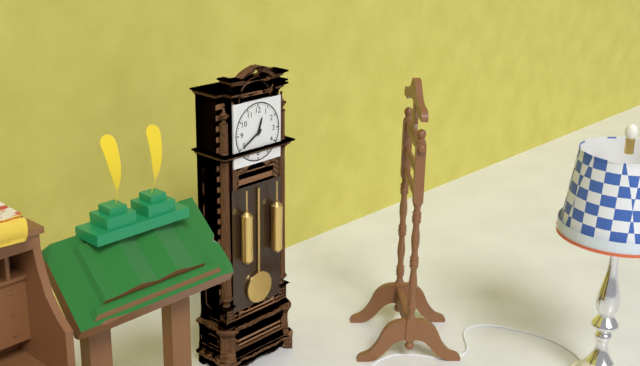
h=12 m=40
